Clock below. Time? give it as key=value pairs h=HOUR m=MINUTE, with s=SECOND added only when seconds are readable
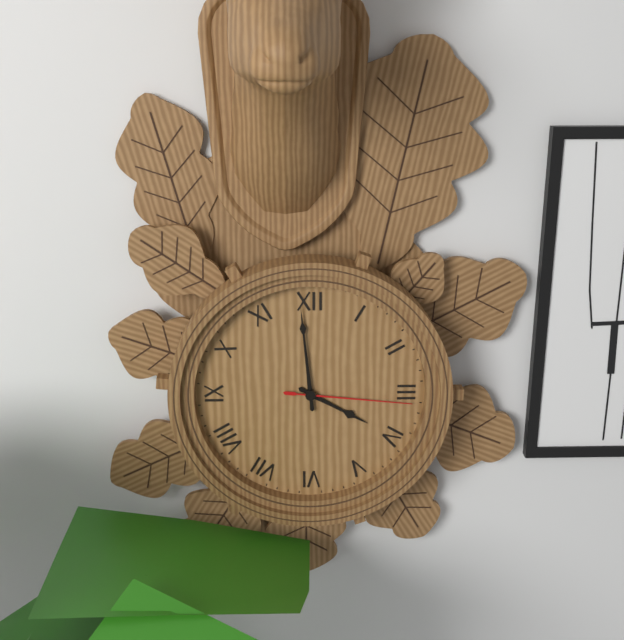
h=3 m=59 s=16
